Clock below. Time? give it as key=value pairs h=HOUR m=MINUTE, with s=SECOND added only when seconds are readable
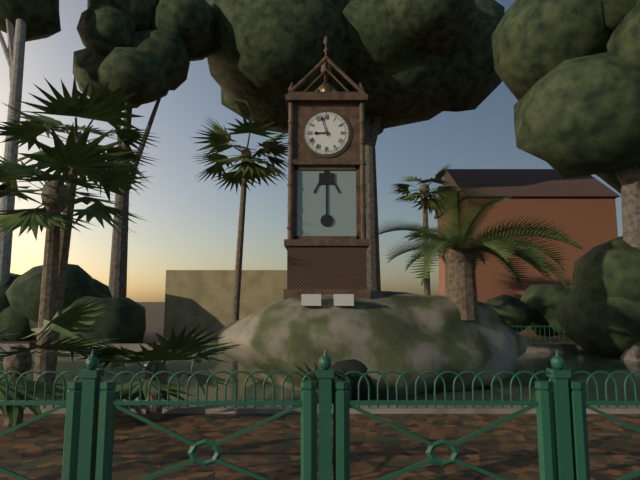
h=8 m=57
